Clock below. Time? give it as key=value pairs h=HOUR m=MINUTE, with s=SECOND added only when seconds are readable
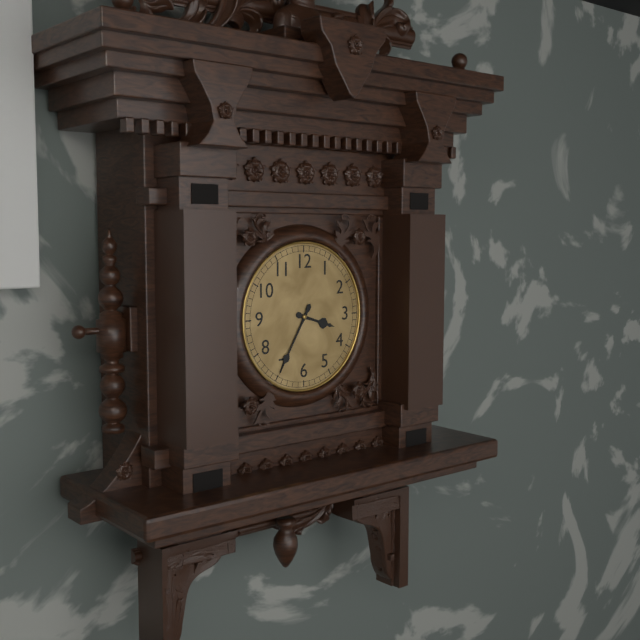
h=3 m=35
